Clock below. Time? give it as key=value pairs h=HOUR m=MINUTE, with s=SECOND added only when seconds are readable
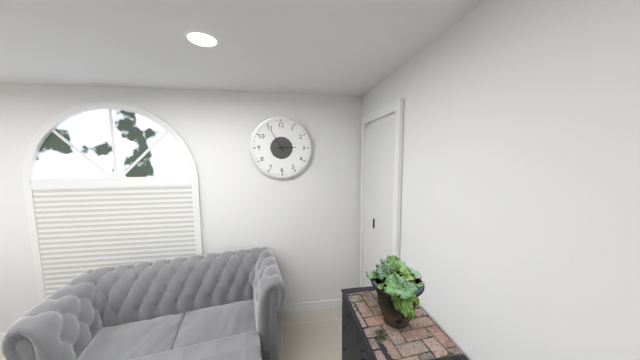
h=2 m=55
